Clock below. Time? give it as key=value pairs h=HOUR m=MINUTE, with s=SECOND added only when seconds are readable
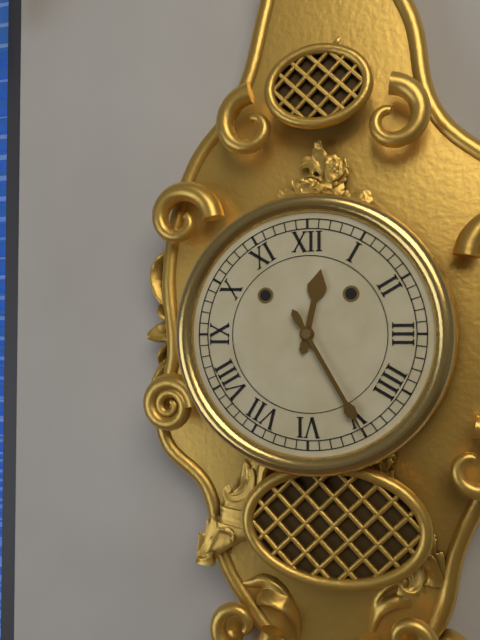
h=12 m=25
